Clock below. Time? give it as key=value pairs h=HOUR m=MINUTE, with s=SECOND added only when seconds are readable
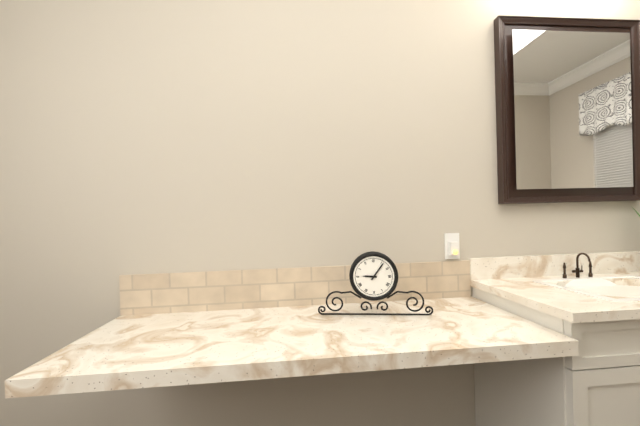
h=9 m=6
